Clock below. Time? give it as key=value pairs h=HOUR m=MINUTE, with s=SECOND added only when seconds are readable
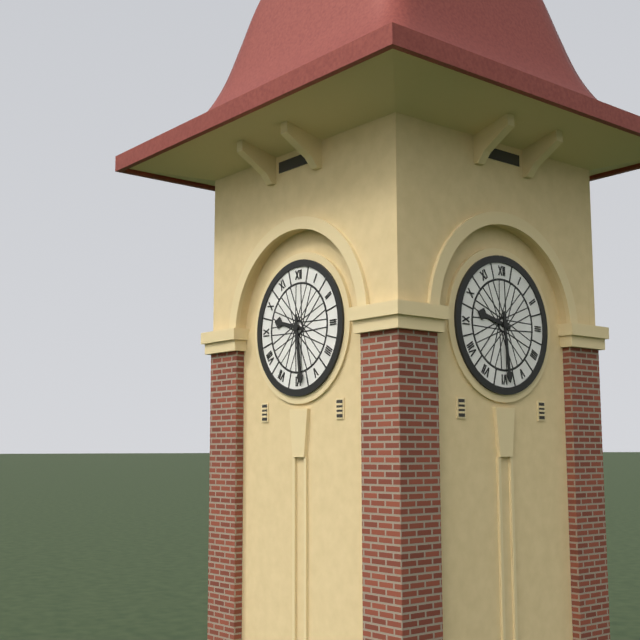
h=9 m=29
